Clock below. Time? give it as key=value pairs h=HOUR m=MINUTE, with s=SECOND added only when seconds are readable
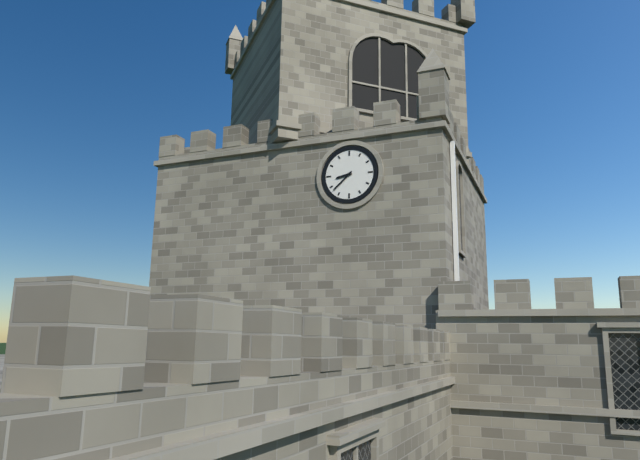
h=8 m=38
